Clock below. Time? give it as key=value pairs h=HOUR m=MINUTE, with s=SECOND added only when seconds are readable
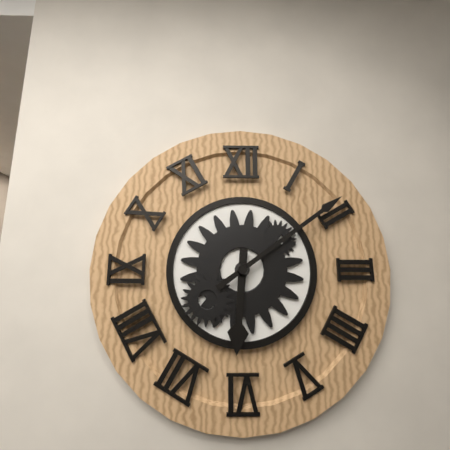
h=6 m=9
